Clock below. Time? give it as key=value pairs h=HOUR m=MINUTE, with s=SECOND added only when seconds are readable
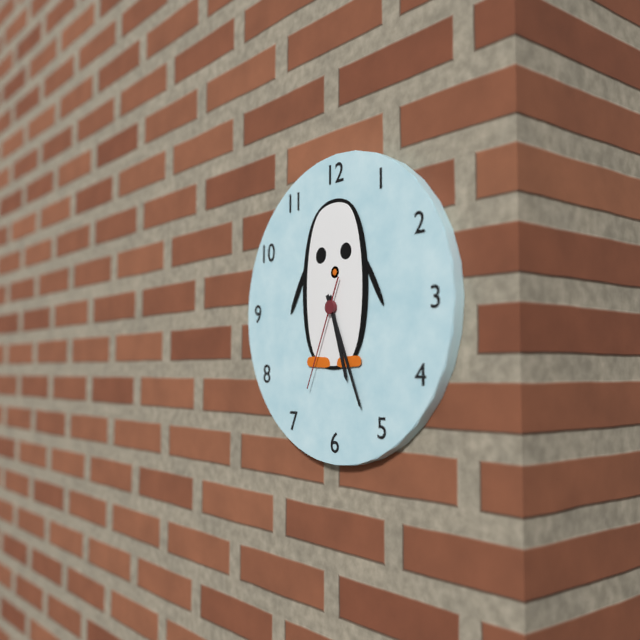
h=5 m=26 s=34
